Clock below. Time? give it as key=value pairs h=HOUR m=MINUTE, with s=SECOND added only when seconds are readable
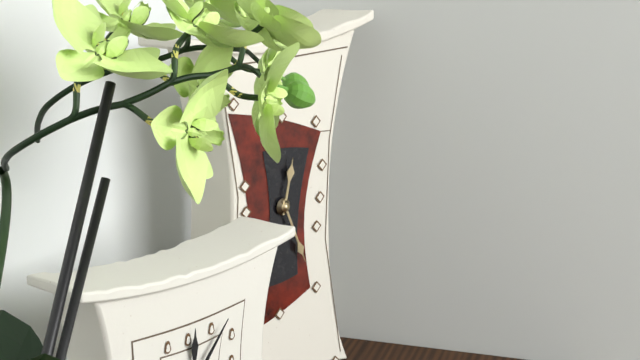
h=12 m=26
